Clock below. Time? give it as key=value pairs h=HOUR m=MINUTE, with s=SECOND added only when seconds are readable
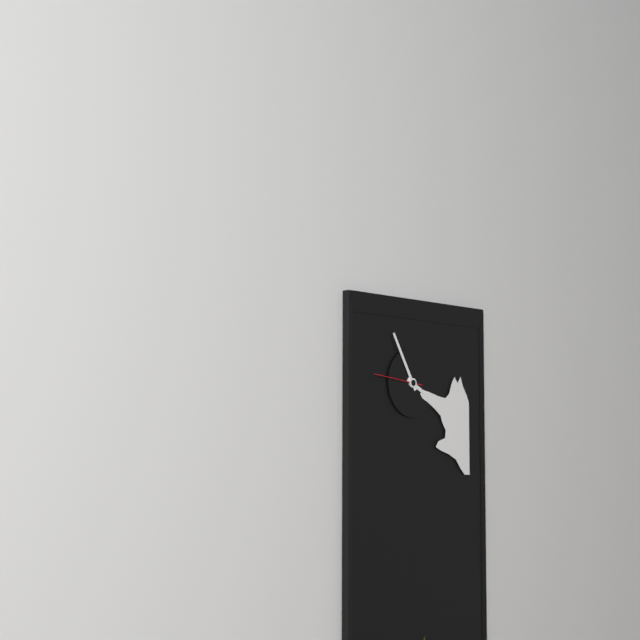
h=3 m=55
